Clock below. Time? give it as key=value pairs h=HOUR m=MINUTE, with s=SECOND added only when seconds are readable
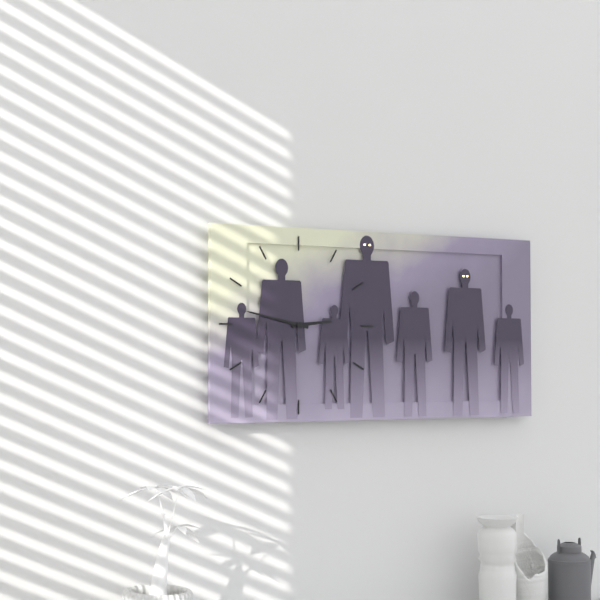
h=2 m=47
